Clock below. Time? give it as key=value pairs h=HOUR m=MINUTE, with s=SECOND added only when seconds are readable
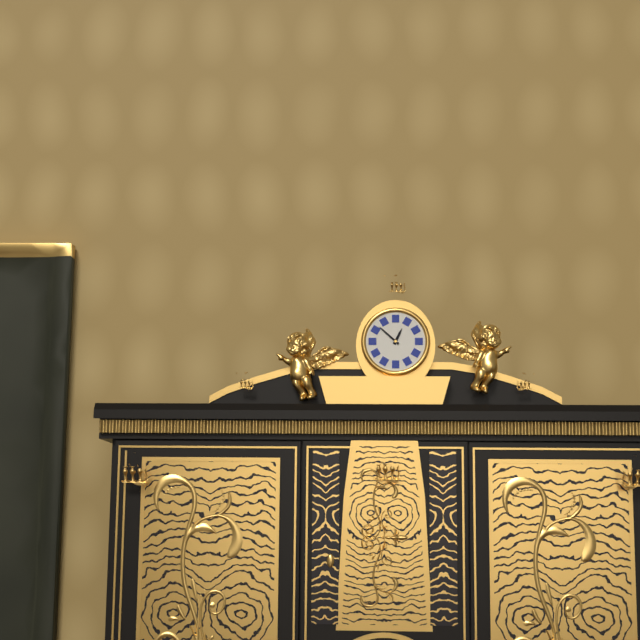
h=12 m=52
